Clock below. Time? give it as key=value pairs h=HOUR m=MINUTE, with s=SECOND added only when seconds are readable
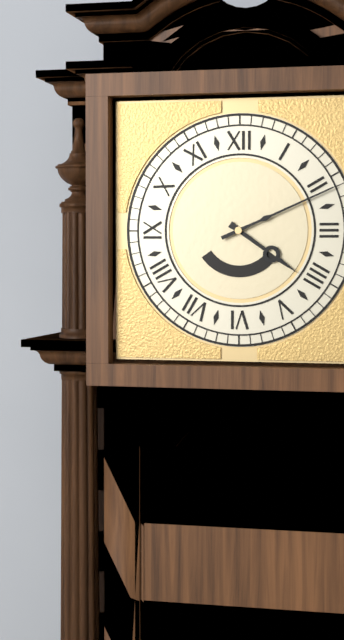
h=4 m=11
